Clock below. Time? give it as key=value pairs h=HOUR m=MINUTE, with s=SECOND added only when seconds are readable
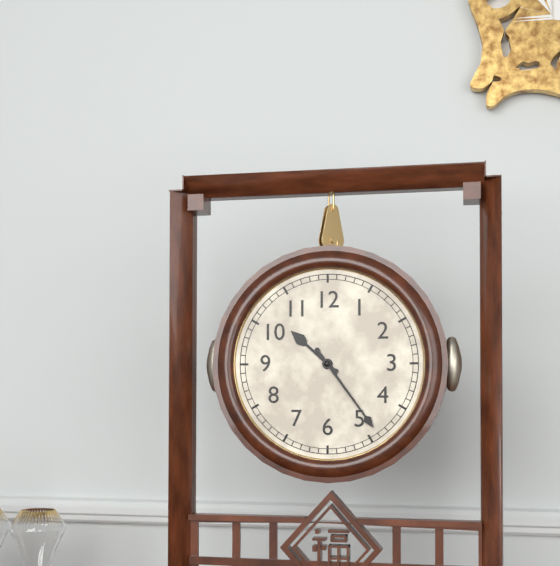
h=10 m=24
